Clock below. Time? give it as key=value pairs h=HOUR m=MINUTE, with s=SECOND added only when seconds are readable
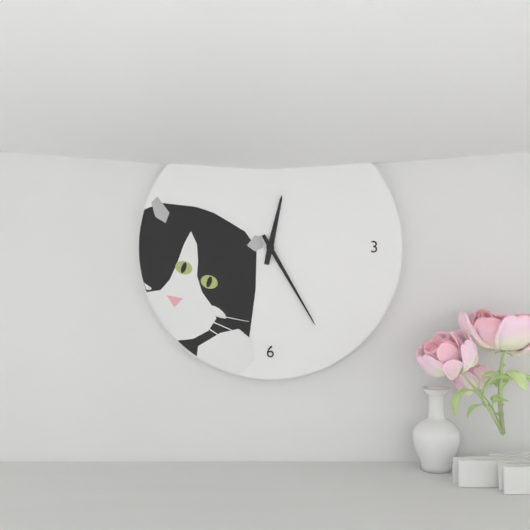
h=12 m=25
